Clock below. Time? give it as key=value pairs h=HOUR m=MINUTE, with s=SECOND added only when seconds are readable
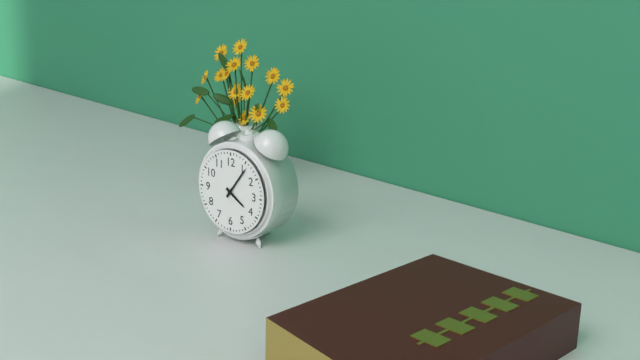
h=4 m=6
